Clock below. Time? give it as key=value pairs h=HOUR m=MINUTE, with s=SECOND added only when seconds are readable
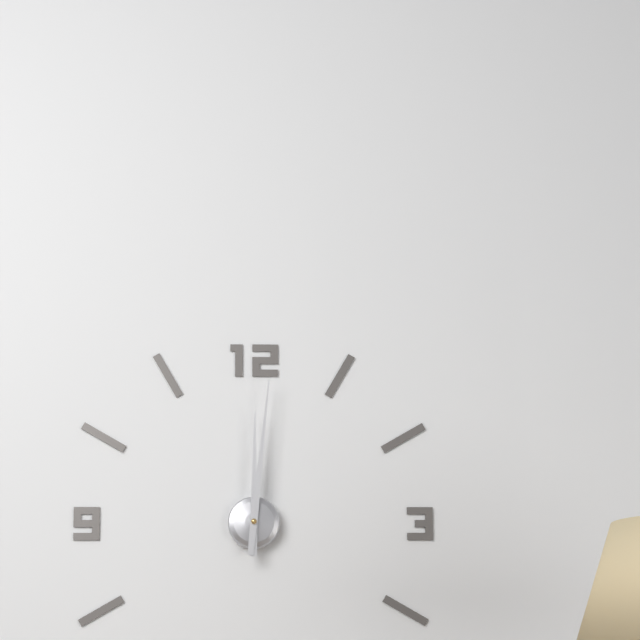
h=12 m=1
